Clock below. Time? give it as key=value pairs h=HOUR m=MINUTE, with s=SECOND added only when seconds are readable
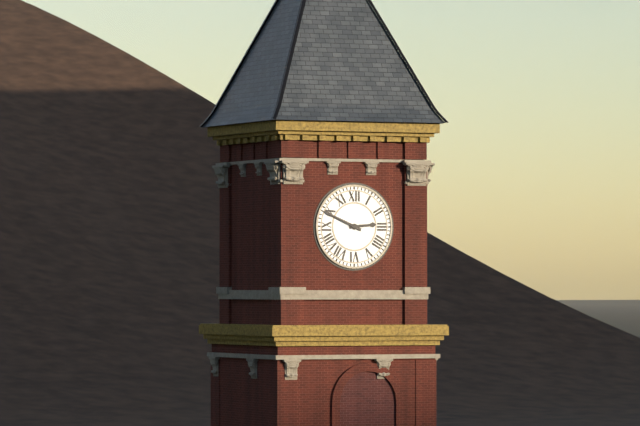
h=2 m=49
